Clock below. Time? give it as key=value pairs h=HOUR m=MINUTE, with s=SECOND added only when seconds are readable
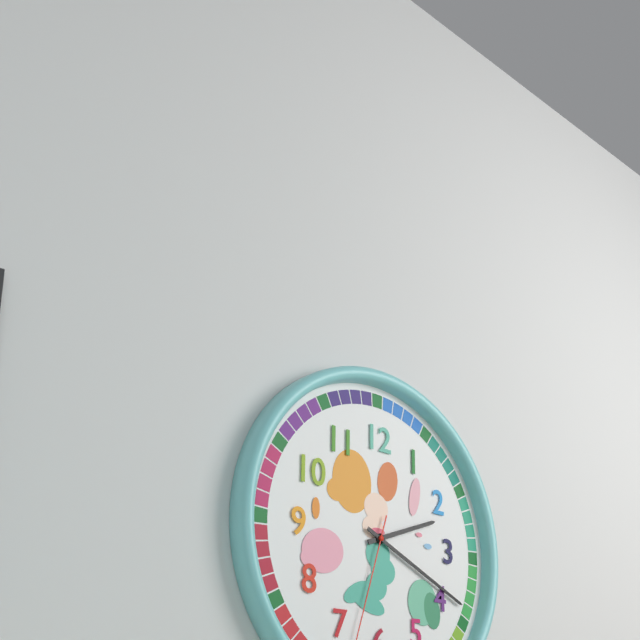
h=2 m=19
